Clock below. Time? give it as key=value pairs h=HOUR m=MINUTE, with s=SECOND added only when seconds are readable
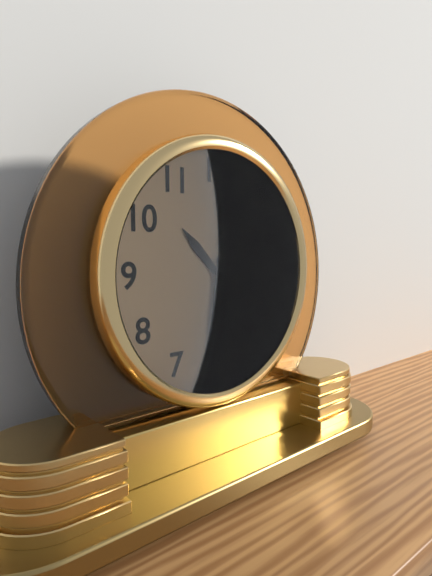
h=10 m=31
